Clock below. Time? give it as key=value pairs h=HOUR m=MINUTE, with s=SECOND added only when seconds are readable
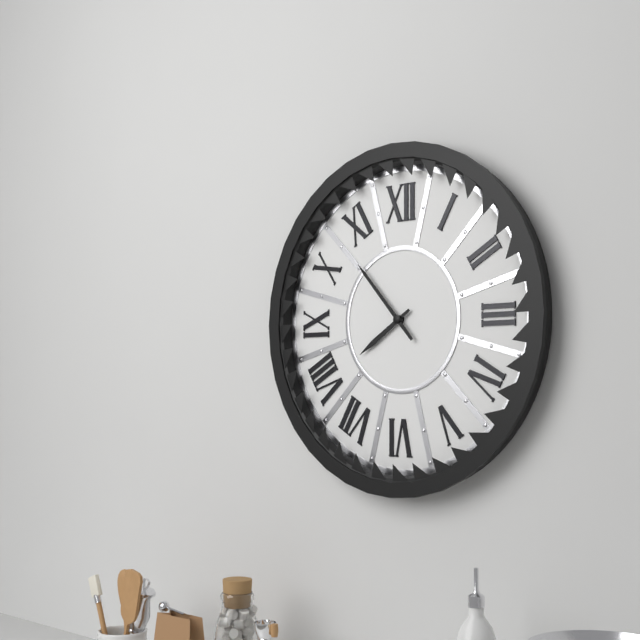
h=7 m=53
